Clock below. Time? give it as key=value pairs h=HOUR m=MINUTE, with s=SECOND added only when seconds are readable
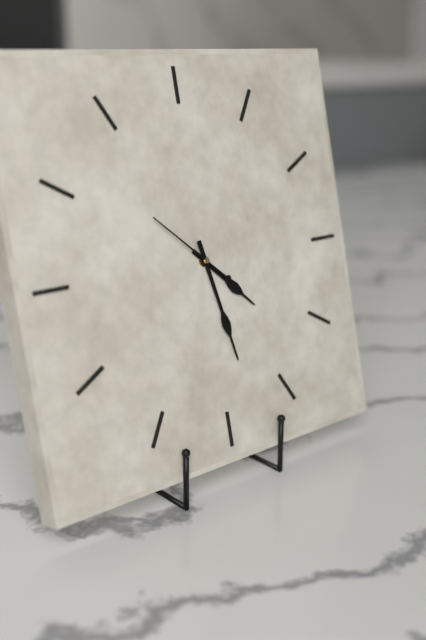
h=4 m=28 s=52
